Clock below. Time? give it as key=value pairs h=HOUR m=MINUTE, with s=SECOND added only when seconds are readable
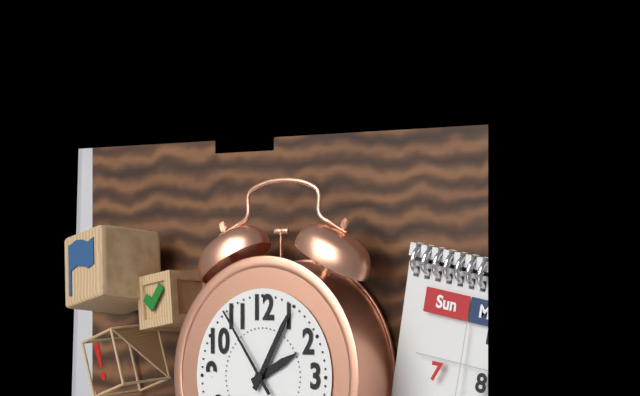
h=2 m=5 s=54
